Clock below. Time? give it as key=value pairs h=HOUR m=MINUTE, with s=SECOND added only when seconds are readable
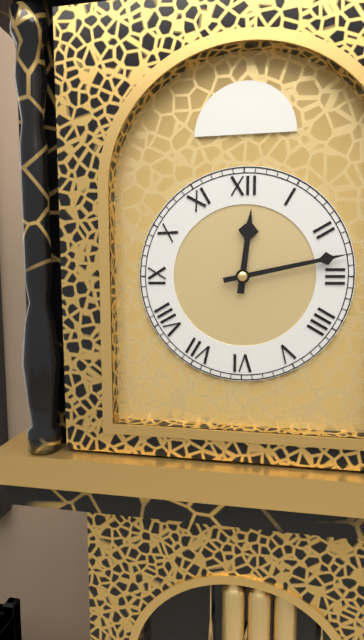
h=12 m=13
